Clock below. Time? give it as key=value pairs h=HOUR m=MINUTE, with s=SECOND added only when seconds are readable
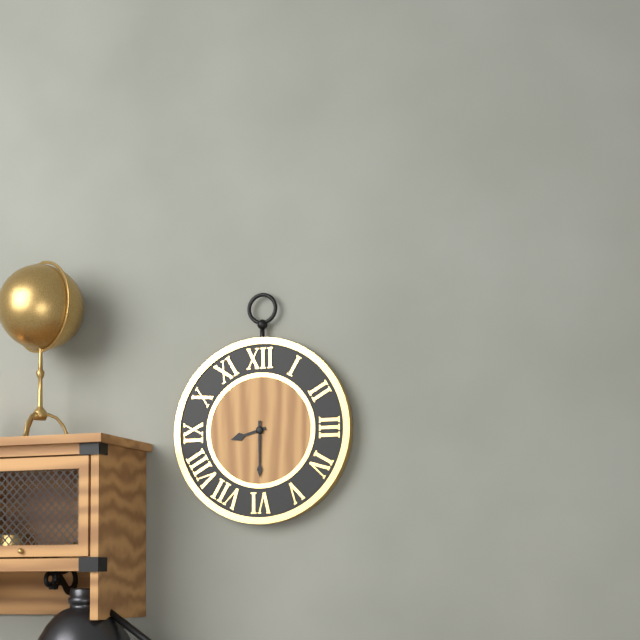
h=8 m=30
